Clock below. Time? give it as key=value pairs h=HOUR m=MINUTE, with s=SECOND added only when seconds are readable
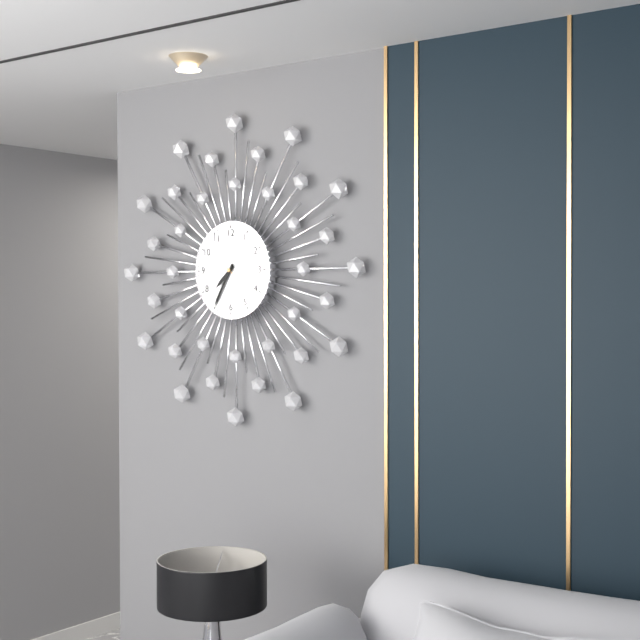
h=7 m=35
